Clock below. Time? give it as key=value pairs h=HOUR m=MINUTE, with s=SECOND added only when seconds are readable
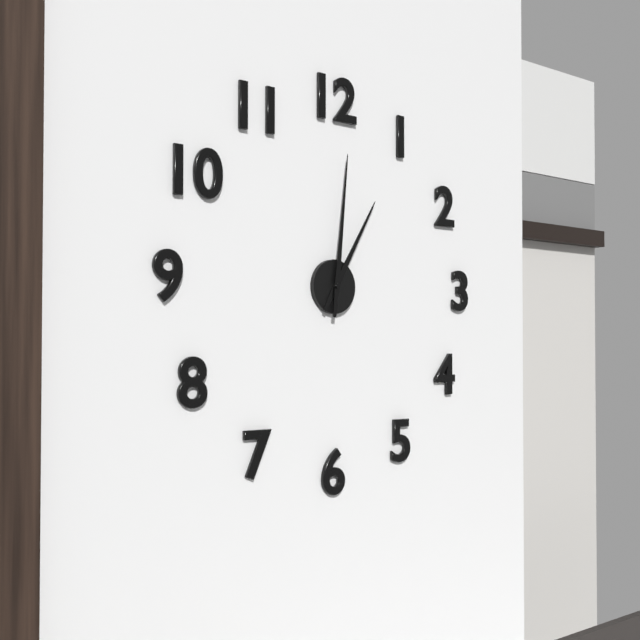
h=1 m=1
